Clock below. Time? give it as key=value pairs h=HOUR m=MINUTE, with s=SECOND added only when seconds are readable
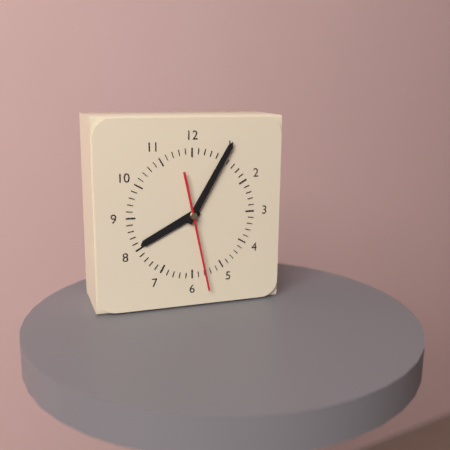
h=8 m=5 s=28
